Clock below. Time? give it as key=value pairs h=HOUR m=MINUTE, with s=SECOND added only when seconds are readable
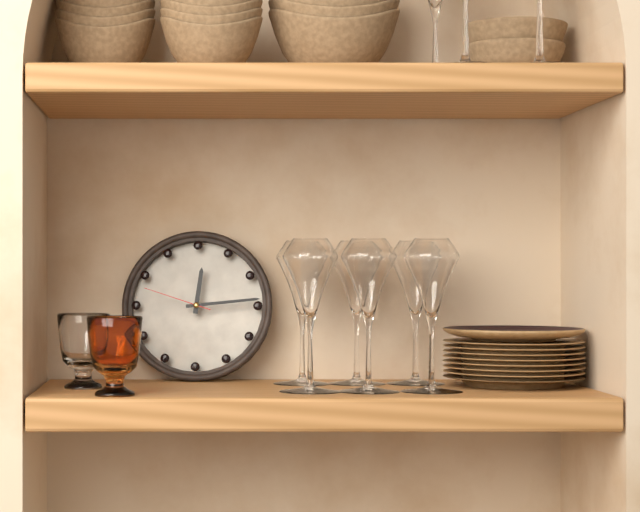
h=12 m=14 s=48
